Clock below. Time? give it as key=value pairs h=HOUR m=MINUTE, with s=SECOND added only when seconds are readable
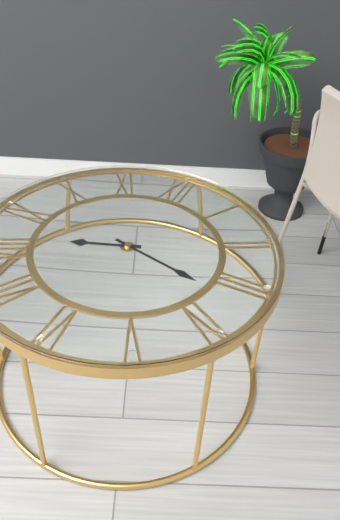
h=8 m=17
